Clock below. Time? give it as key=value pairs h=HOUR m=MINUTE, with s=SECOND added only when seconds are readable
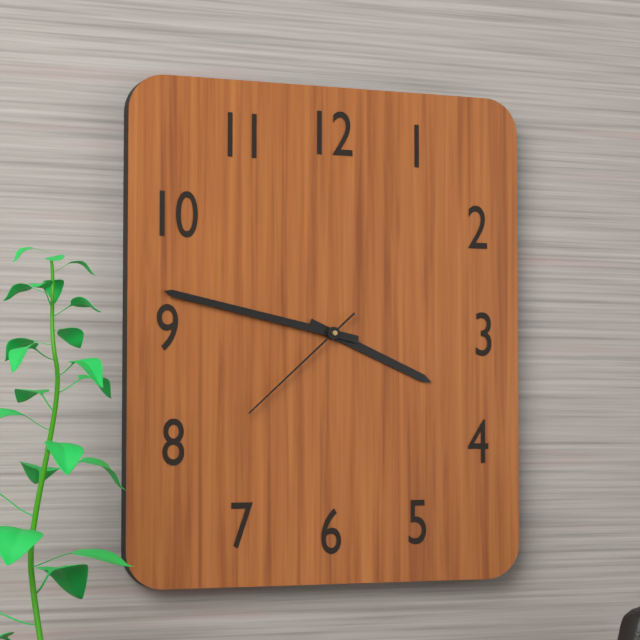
h=3 m=47 s=38
